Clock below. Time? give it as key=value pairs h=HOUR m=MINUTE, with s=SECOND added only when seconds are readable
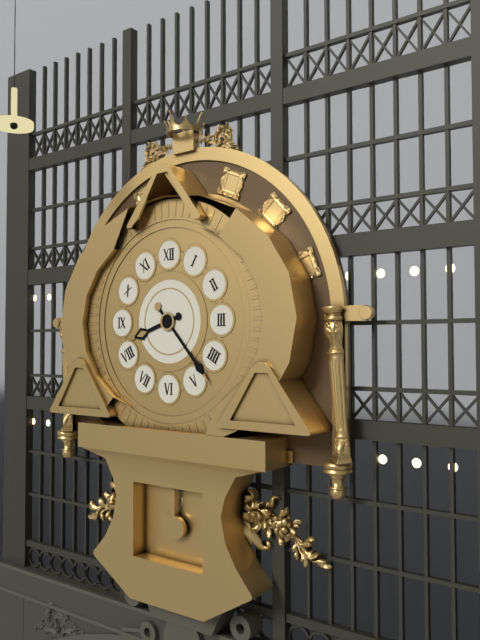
h=8 m=23
